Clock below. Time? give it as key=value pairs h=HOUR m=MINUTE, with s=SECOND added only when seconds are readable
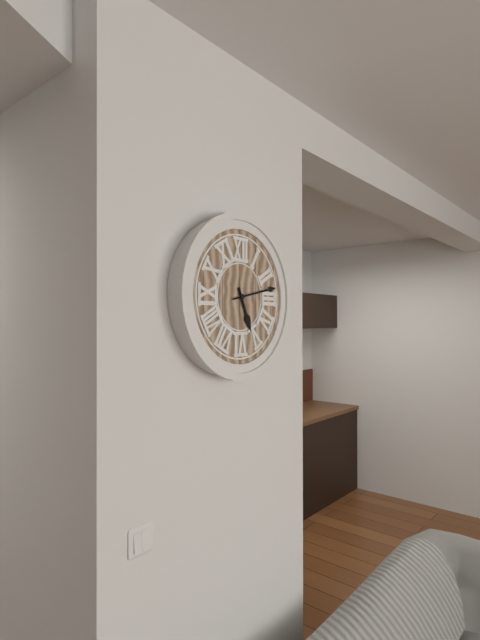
h=5 m=13
